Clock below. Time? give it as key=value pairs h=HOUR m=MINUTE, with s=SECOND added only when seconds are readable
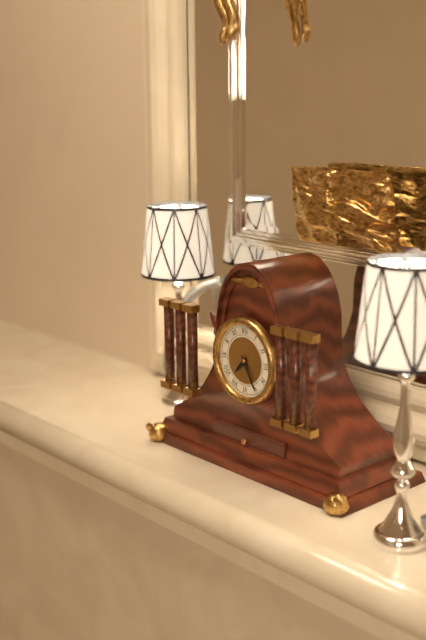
h=7 m=25
